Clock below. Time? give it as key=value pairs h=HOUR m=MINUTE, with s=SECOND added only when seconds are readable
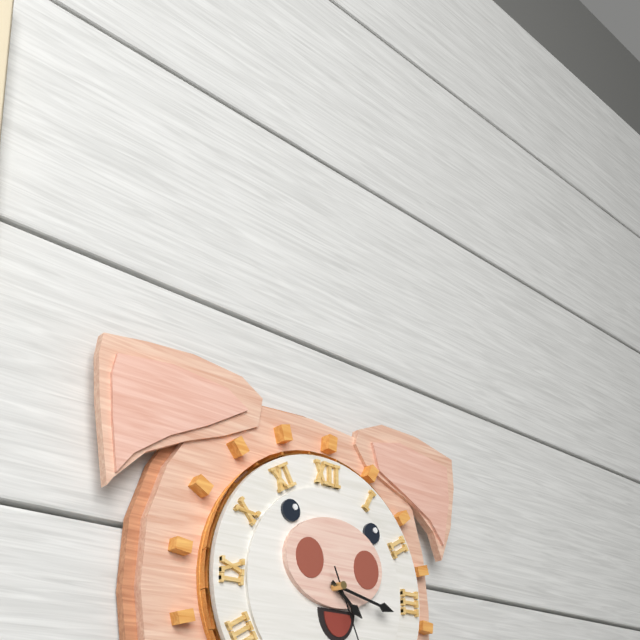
h=4 m=17
